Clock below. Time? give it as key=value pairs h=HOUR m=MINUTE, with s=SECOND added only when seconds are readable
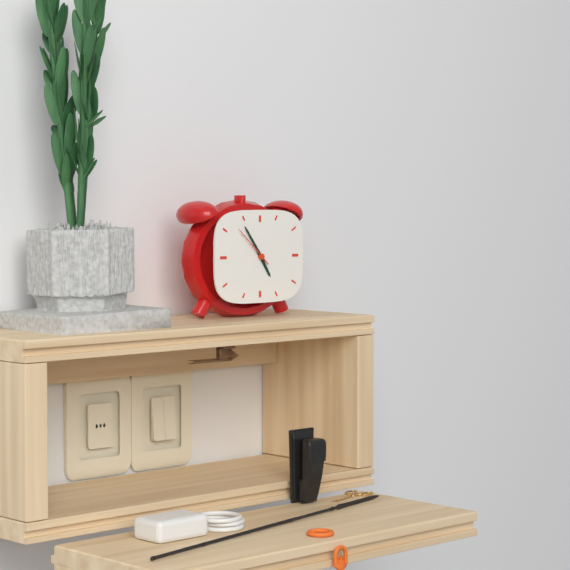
h=4 m=54
